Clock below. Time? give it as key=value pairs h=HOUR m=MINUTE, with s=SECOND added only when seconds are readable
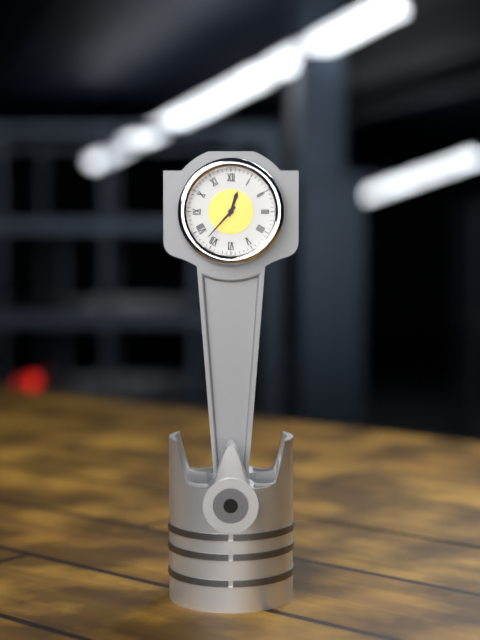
h=12 m=37
